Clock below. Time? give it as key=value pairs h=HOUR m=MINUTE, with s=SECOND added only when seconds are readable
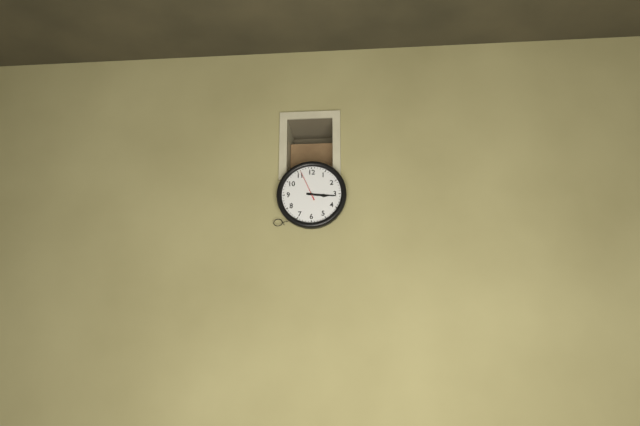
h=3 m=16
